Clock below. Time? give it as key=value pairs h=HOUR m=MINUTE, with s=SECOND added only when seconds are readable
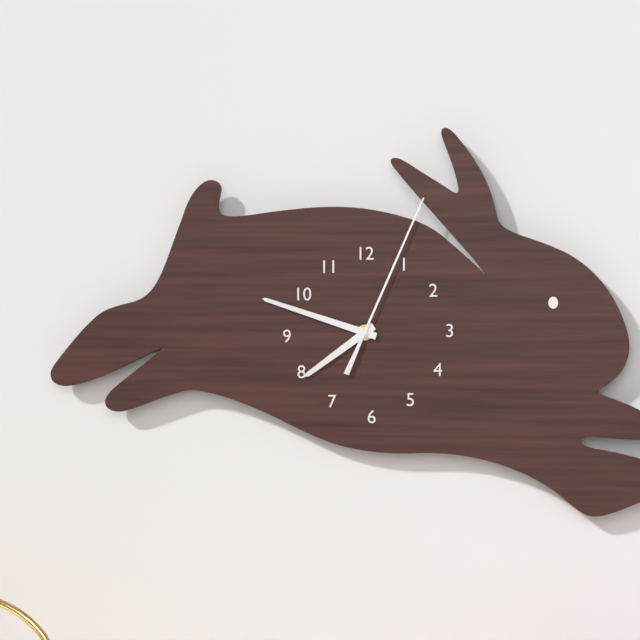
h=7 m=48 s=4
